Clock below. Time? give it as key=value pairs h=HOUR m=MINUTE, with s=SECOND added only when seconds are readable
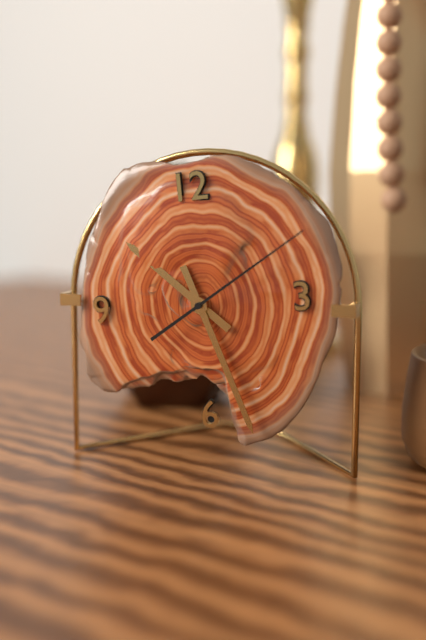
h=10 m=27 s=10
